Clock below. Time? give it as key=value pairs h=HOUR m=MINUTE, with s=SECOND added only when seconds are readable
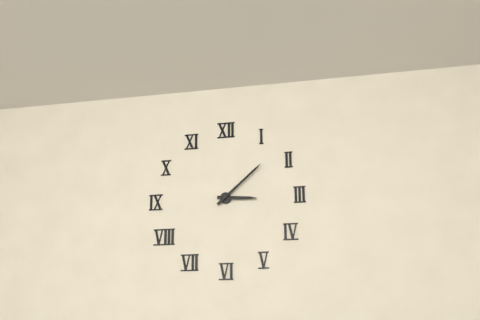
h=3 m=8
